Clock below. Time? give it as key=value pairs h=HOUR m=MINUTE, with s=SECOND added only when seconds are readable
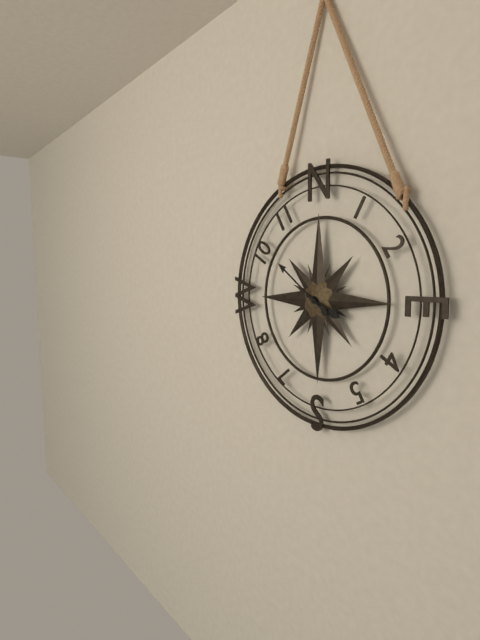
h=3 m=51
